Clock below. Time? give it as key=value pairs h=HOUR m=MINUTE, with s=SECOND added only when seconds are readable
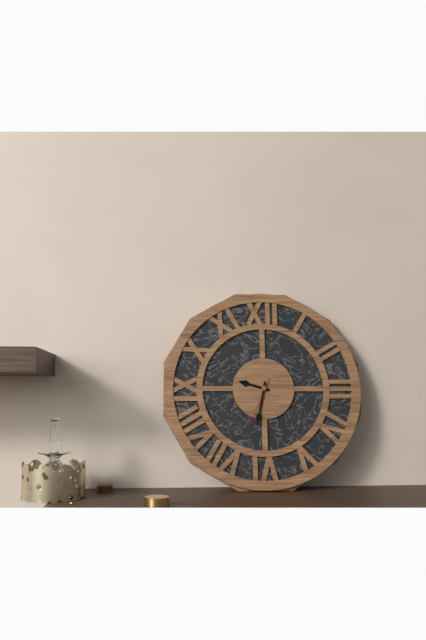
h=9 m=32
